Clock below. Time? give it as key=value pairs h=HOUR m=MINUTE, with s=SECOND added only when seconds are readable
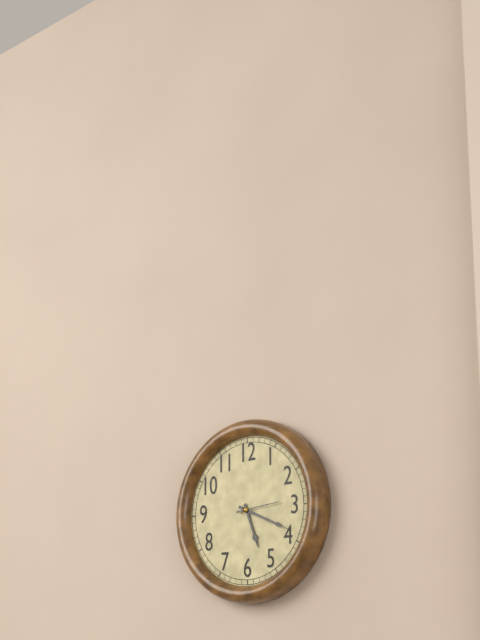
h=5 m=19
